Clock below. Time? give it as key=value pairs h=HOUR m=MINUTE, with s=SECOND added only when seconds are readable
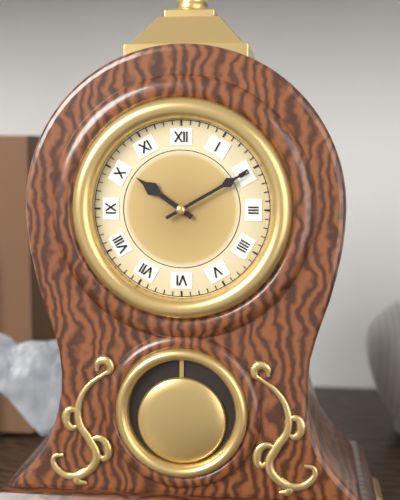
h=10 m=10
